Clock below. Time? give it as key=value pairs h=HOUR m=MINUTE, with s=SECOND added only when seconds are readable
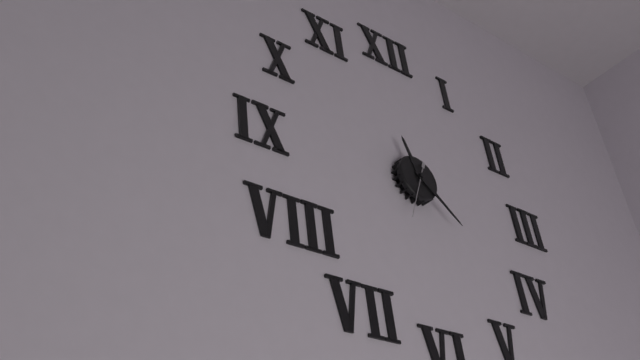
h=11 m=22
